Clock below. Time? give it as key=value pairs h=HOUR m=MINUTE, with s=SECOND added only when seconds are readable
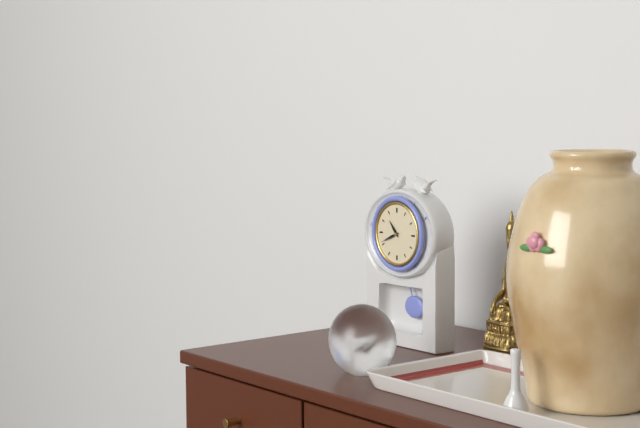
h=10 m=41
